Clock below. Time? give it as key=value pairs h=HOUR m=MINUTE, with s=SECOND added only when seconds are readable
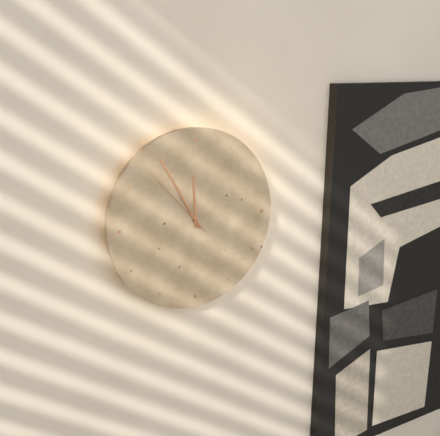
h=11 m=55 s=53
